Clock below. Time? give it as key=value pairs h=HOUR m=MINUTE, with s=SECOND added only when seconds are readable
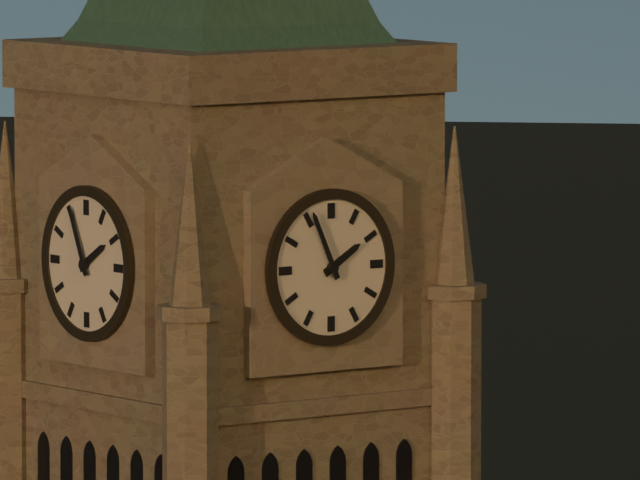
h=1 m=56
